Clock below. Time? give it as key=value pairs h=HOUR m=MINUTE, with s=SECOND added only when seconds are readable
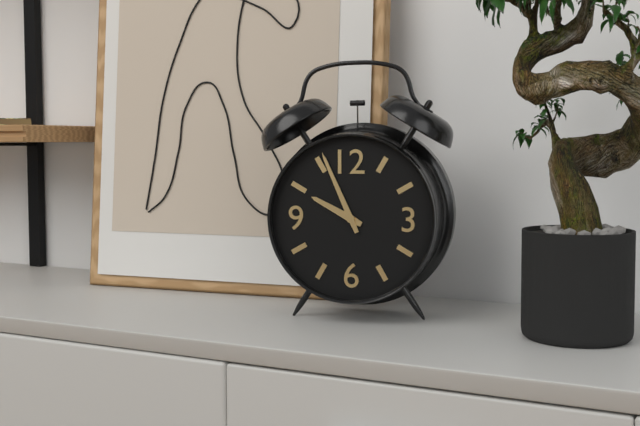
h=9 m=56
